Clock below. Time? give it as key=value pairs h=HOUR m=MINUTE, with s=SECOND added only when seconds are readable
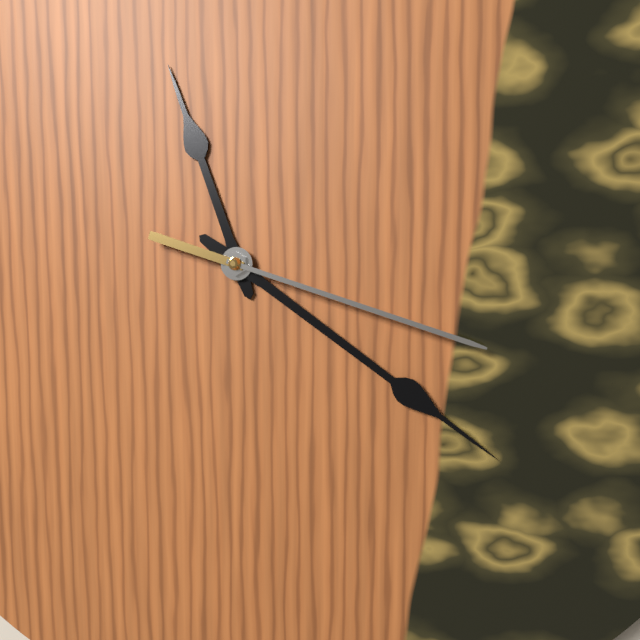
h=11 m=21 s=18
